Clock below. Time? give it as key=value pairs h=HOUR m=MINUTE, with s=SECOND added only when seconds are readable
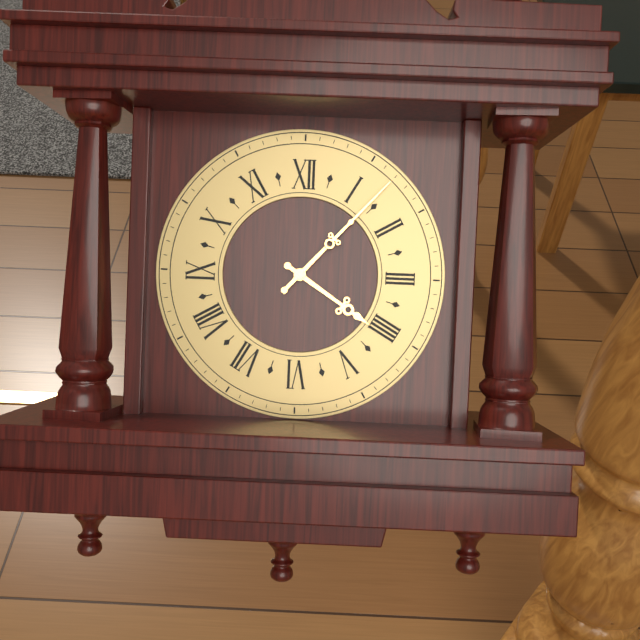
h=4 m=7
